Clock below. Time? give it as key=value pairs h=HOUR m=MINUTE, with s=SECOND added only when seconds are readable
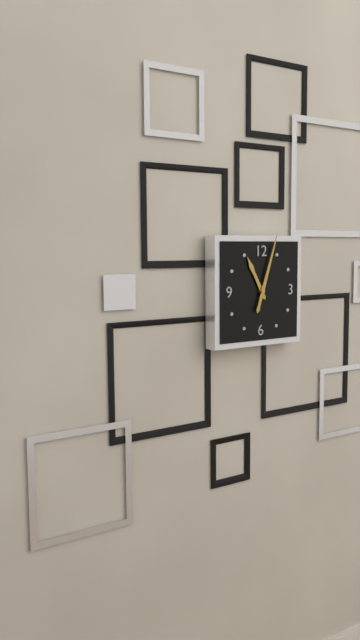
h=11 m=3
